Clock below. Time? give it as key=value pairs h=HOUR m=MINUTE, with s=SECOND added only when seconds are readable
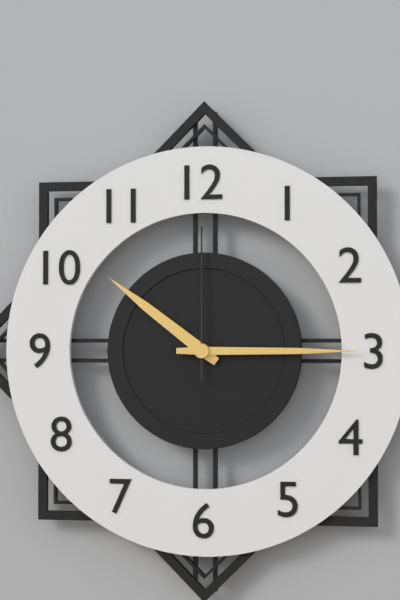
h=10 m=15 s=0
